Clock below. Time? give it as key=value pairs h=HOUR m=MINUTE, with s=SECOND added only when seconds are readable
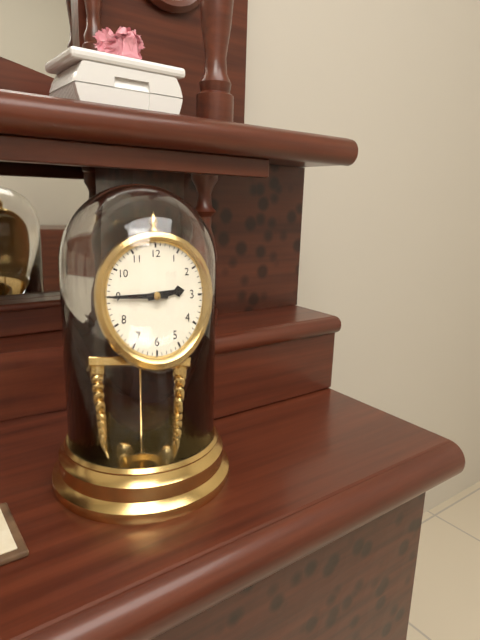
h=2 m=45
